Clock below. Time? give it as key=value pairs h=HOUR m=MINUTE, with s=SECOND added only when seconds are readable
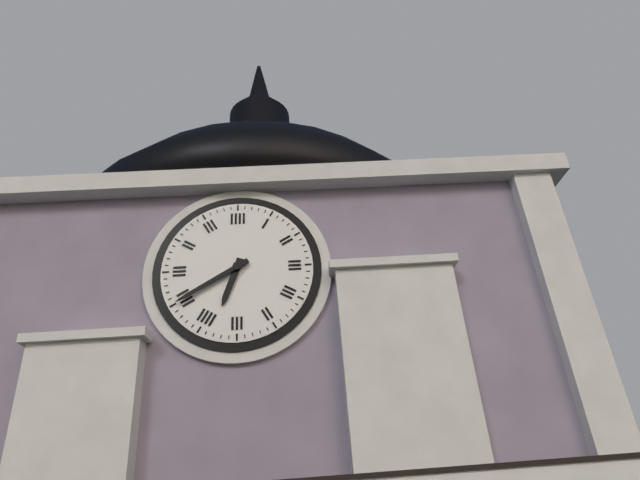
h=6 m=40
